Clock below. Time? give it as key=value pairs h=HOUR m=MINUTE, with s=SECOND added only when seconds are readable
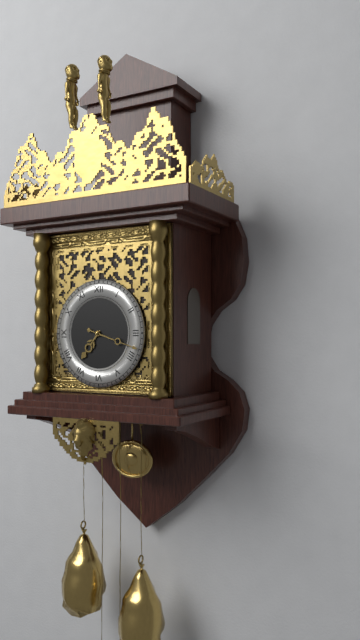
h=7 m=18
